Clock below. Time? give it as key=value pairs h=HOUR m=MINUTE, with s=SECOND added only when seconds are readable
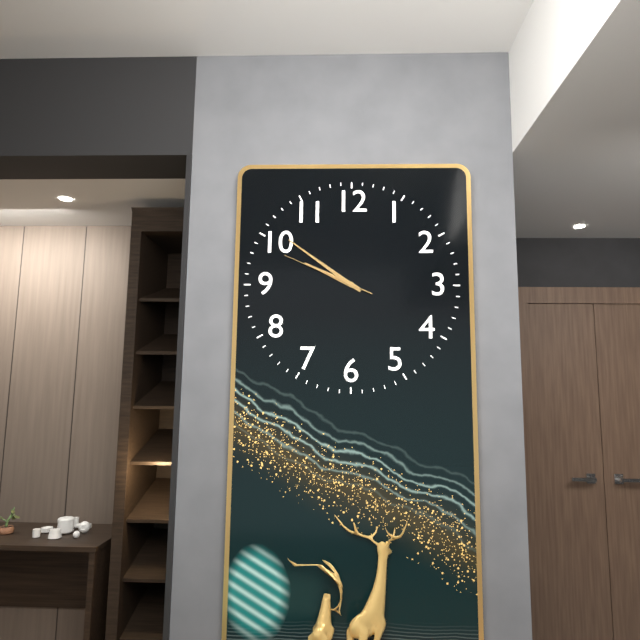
h=9 m=51 s=49
